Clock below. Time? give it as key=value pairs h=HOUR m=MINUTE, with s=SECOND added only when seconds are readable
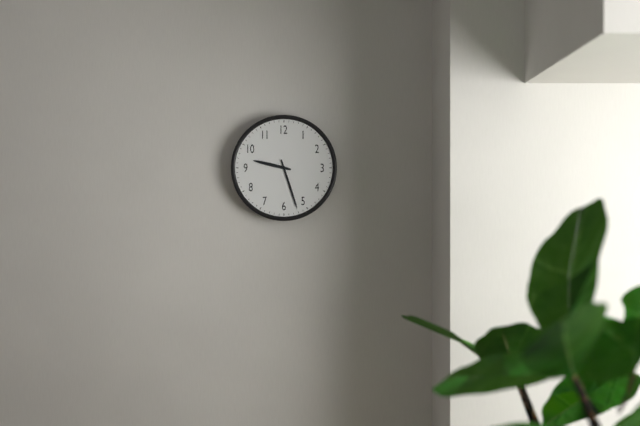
h=9 m=27
